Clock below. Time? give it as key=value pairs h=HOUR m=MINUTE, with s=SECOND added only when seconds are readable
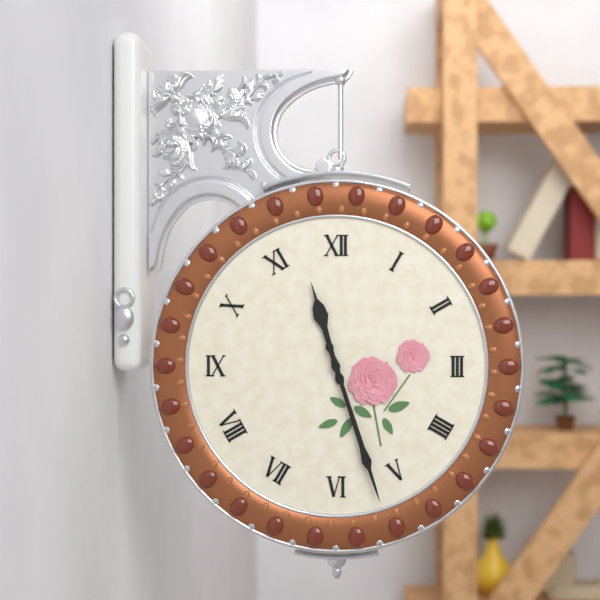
h=11 m=27
